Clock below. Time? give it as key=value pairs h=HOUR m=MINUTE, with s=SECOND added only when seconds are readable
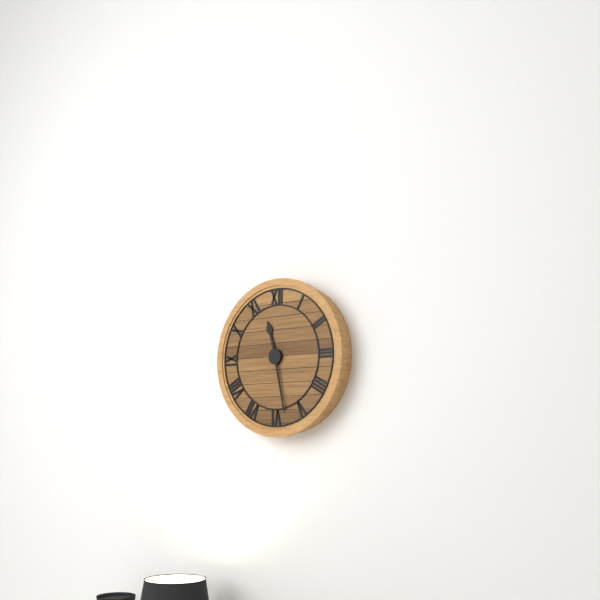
h=11 m=28
